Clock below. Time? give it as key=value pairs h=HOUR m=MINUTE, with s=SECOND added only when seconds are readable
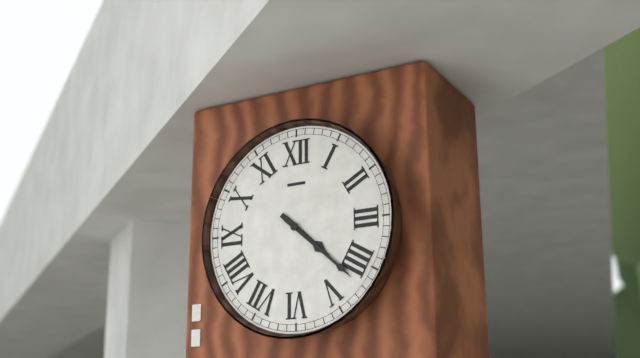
h=4 m=22
